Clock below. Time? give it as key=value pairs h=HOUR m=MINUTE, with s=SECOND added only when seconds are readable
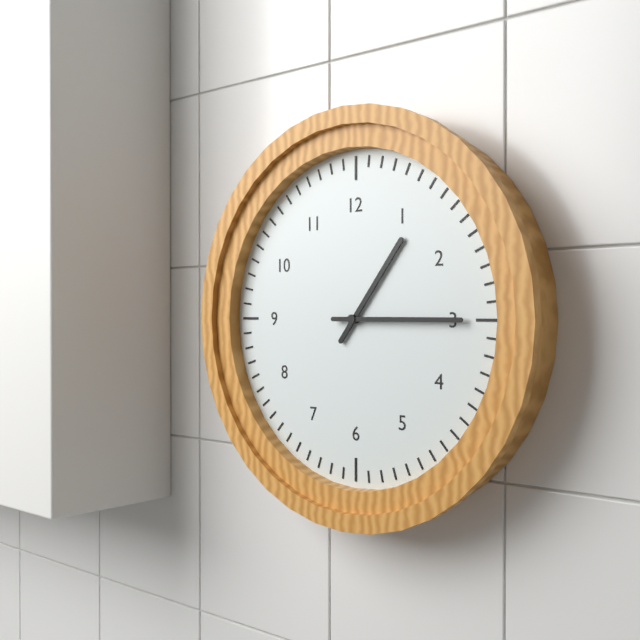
h=1 m=15
